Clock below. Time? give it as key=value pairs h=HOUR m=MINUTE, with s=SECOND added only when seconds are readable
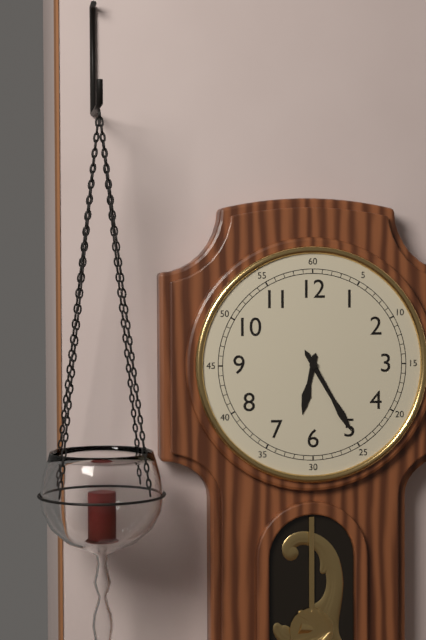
h=6 m=25
